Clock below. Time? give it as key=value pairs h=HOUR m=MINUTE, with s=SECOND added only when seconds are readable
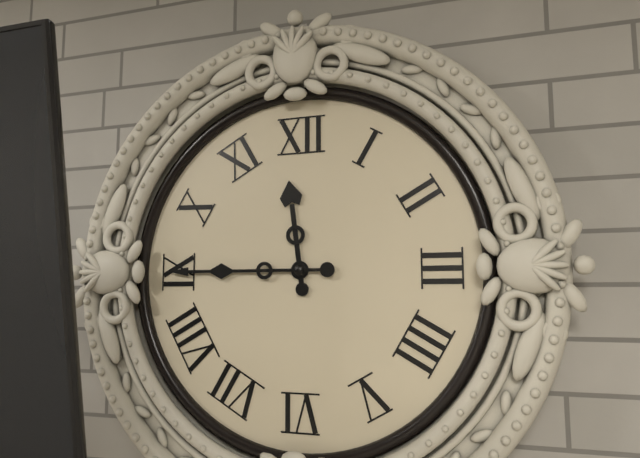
h=11 m=45
